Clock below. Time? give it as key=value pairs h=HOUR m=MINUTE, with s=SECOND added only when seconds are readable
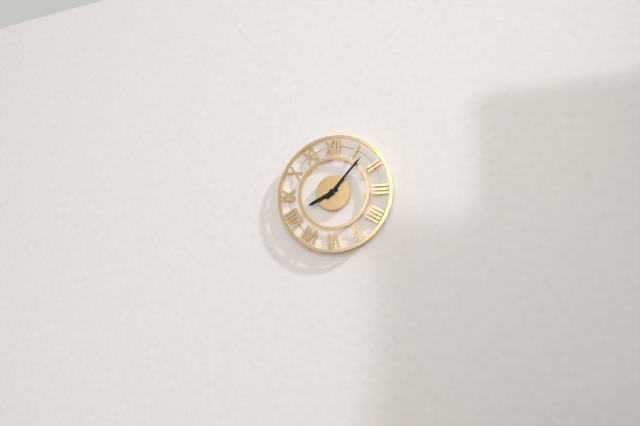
h=8 m=7
